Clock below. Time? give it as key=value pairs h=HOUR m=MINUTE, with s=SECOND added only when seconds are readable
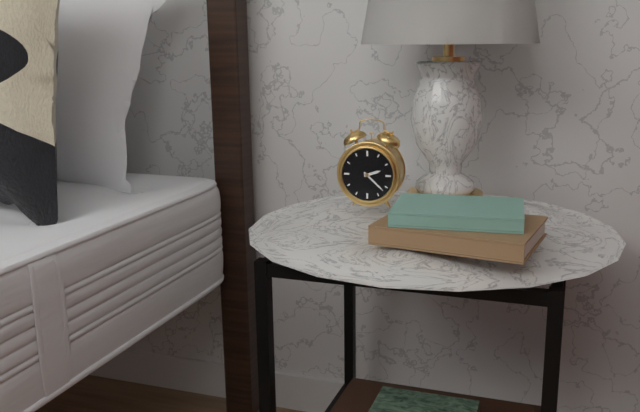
h=2 m=22
